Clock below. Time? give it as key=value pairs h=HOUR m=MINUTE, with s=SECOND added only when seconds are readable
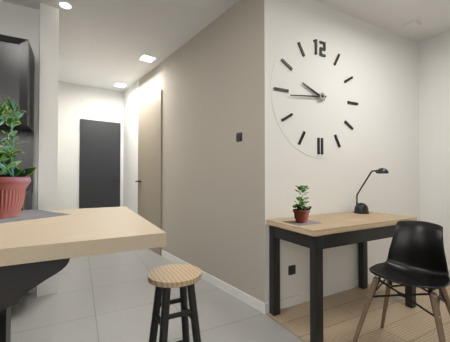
h=9 m=44
